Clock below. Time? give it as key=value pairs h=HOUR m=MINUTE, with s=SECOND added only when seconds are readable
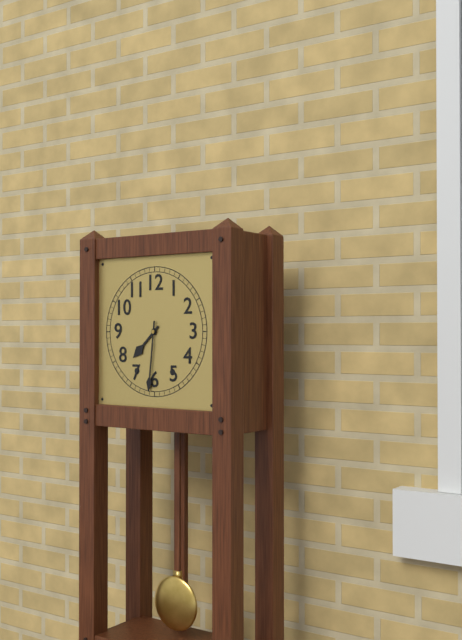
h=7 m=31
